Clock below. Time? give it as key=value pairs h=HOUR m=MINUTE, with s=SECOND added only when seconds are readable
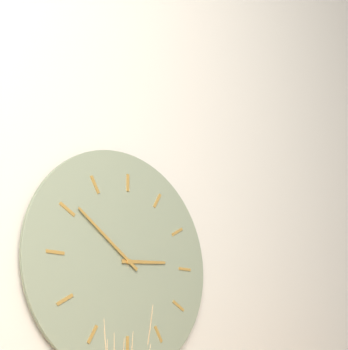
h=2 m=51
